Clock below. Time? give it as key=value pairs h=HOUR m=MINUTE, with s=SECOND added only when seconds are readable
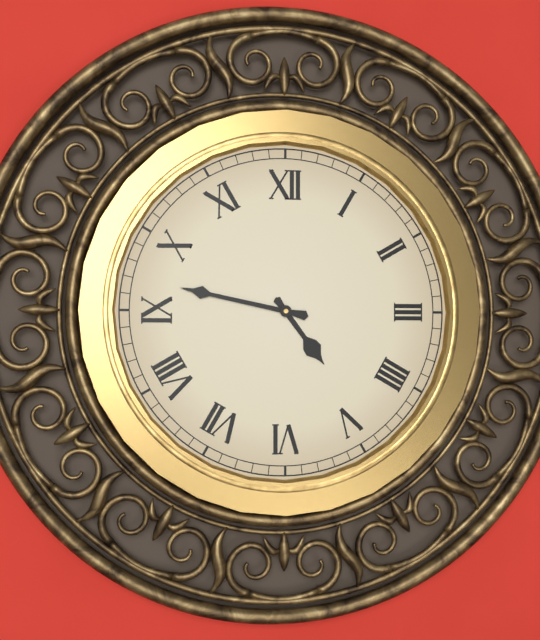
h=4 m=47
